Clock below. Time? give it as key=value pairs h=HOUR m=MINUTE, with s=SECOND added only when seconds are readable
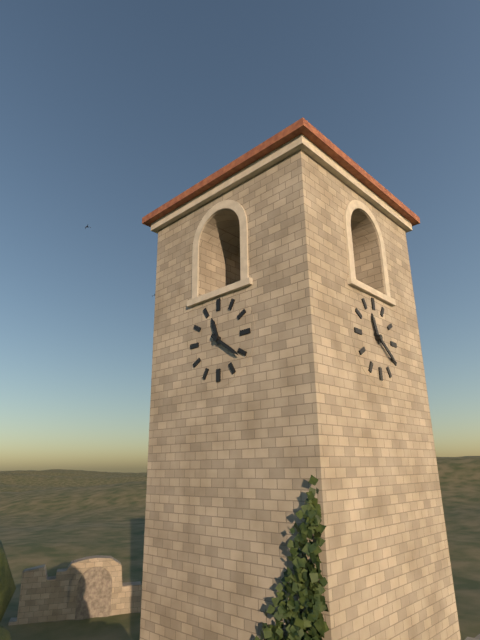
h=11 m=21
